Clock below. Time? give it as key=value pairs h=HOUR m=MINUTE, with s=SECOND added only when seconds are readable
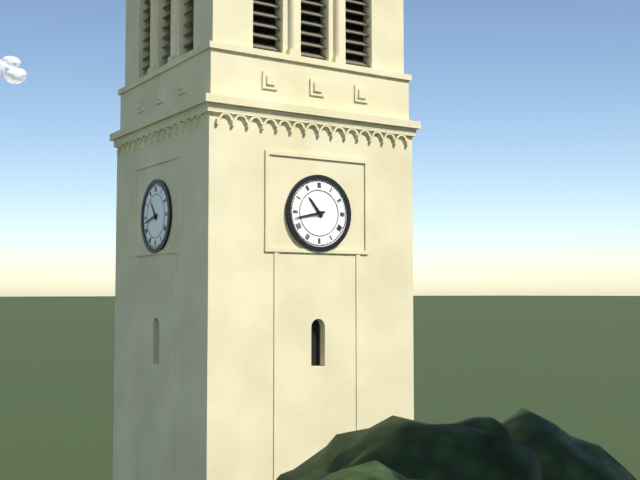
h=10 m=43
